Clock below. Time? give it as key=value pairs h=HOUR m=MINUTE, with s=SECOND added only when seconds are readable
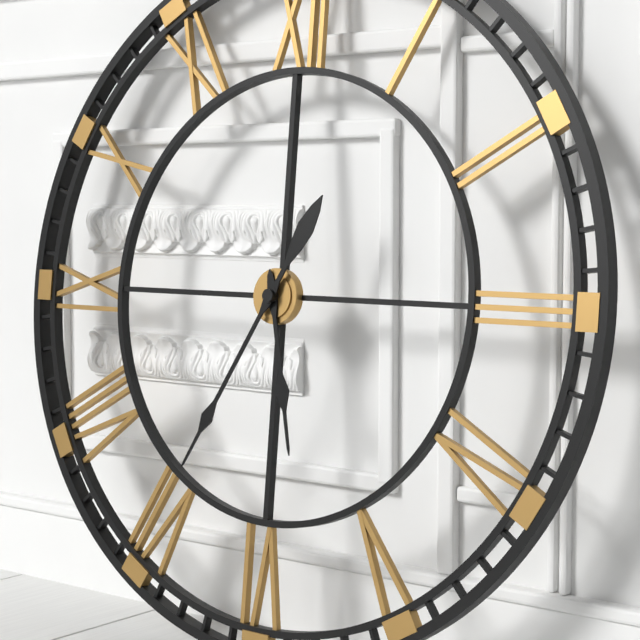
h=5 m=35
